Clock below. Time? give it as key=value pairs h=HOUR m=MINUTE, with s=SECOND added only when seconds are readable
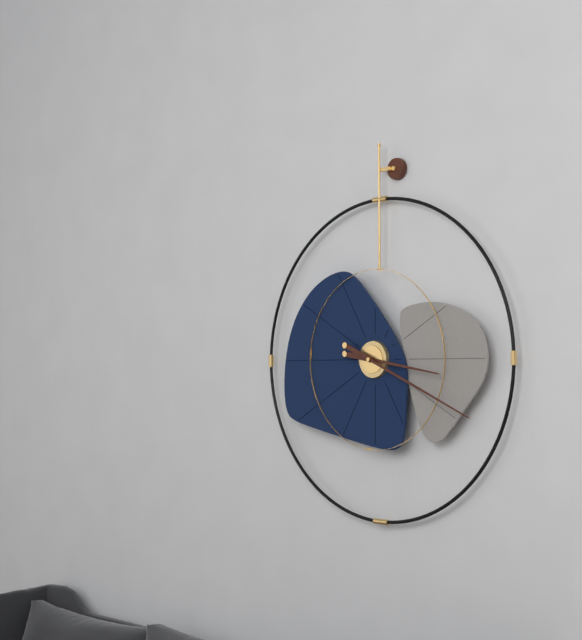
h=3 m=19
